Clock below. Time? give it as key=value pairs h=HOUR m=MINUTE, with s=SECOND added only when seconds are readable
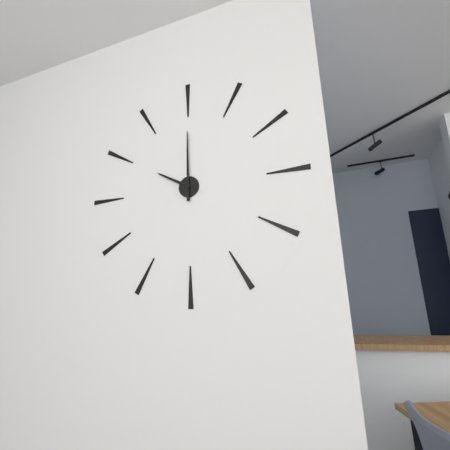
h=10 m=0
